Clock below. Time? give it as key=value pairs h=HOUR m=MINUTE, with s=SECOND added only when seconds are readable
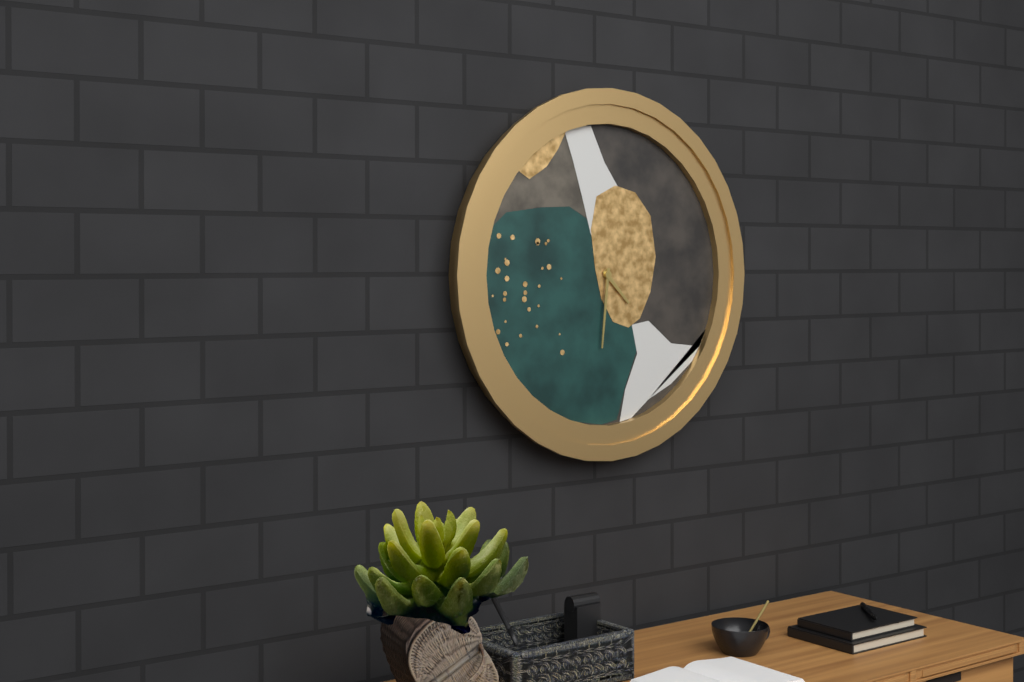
h=4 m=31
